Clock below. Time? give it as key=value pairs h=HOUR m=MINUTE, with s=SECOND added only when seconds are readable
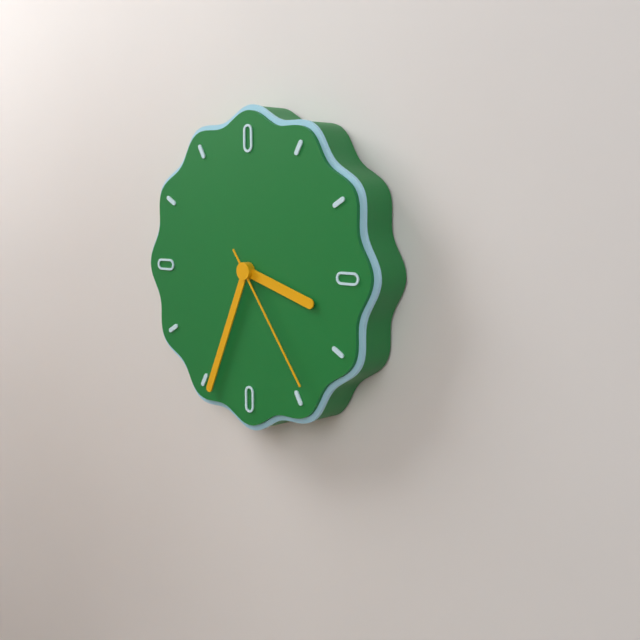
h=3 m=34 s=24
